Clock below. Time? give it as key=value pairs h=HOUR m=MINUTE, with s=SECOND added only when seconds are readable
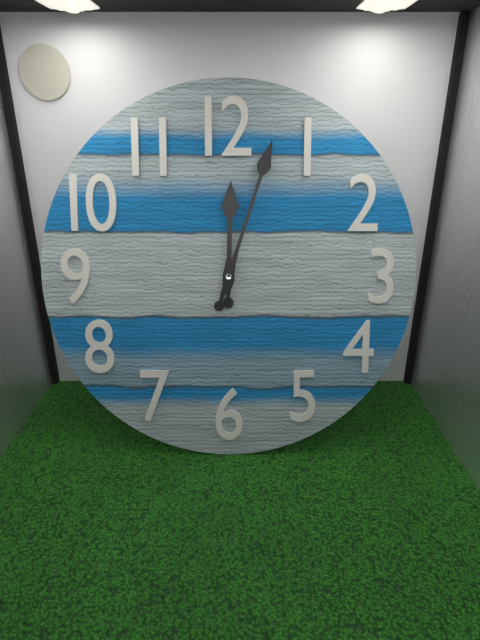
h=12 m=3
